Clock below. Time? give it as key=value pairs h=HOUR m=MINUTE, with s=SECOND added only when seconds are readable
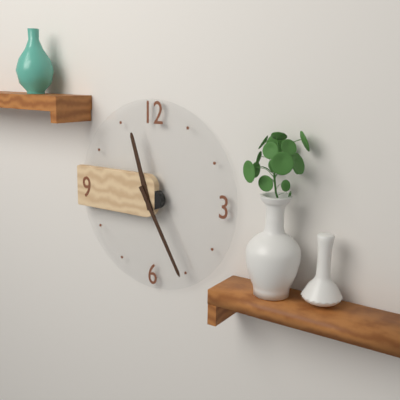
h=11 m=25
